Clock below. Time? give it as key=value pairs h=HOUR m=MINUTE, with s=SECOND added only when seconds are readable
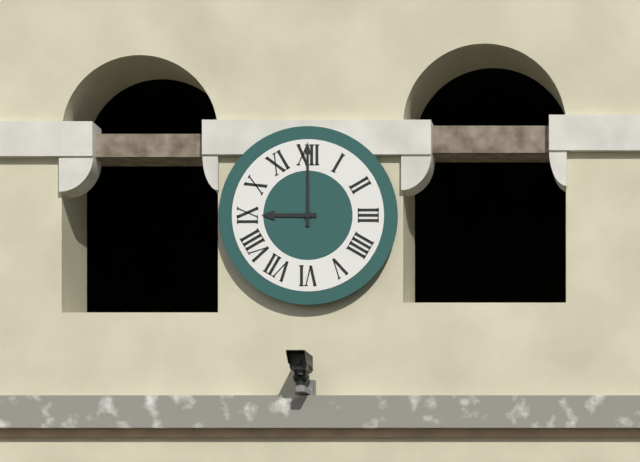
h=9 m=0
